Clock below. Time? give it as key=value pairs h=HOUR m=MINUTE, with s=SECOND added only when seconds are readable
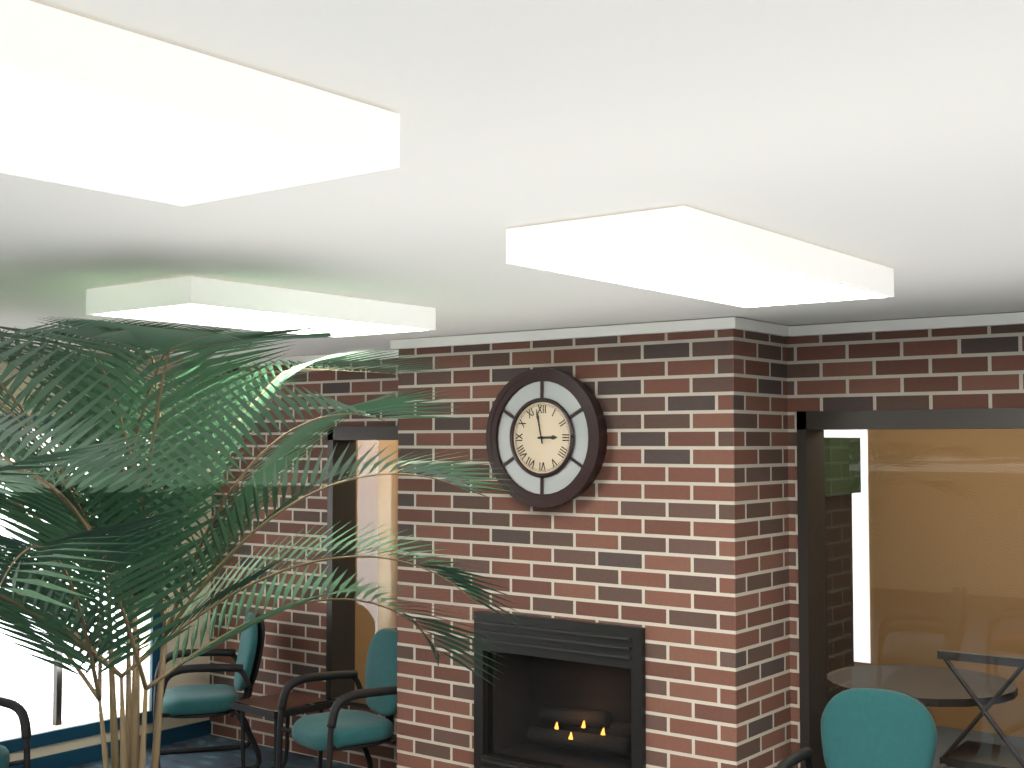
h=2 m=58
